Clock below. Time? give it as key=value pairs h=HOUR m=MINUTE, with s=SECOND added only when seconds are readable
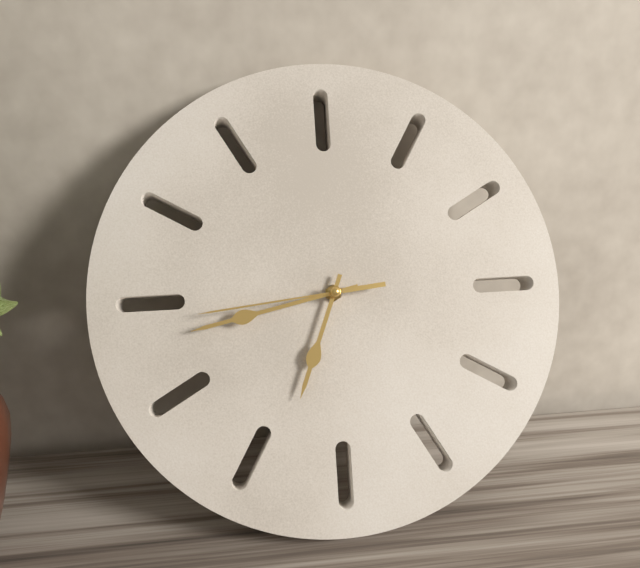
h=6 m=43 s=44
